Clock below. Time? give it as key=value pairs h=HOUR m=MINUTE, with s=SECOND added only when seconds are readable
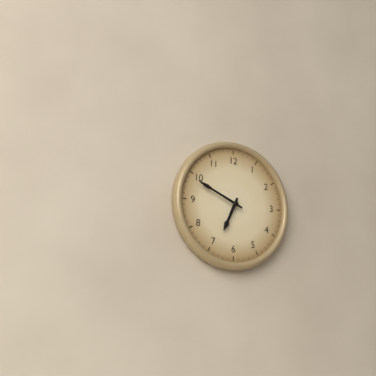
h=6 m=49
